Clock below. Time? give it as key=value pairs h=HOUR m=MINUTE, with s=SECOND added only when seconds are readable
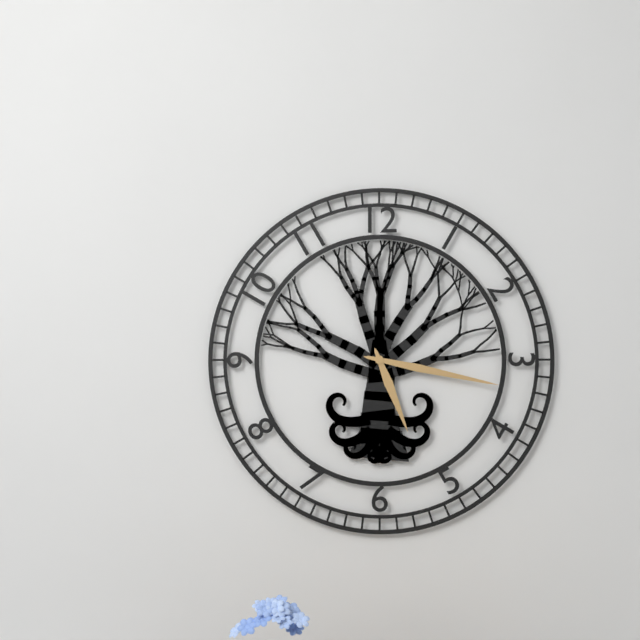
h=5 m=17
